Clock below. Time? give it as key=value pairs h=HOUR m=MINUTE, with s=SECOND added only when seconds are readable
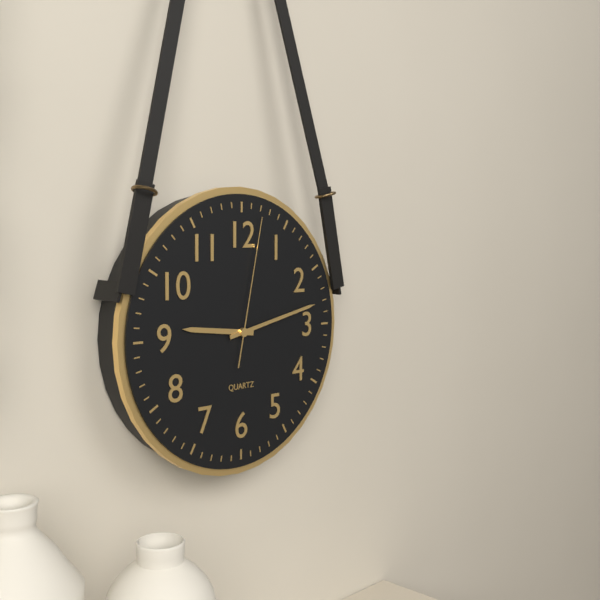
h=9 m=13 s=2
